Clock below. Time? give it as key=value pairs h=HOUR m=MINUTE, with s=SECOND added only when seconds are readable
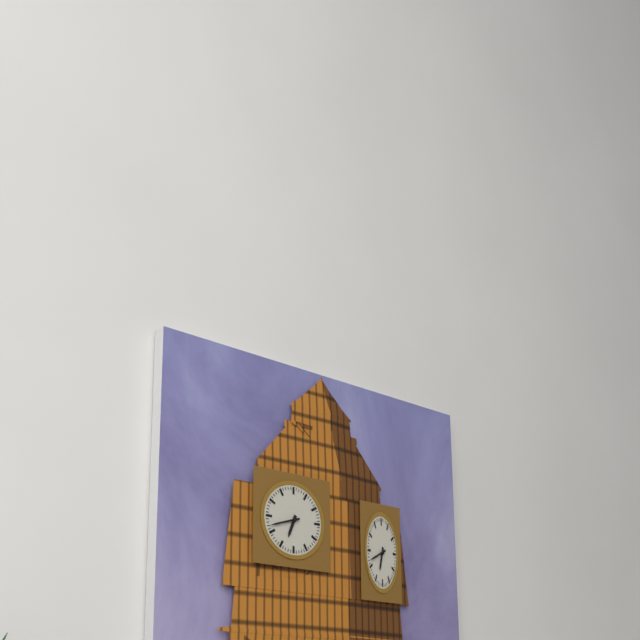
h=6 m=42
